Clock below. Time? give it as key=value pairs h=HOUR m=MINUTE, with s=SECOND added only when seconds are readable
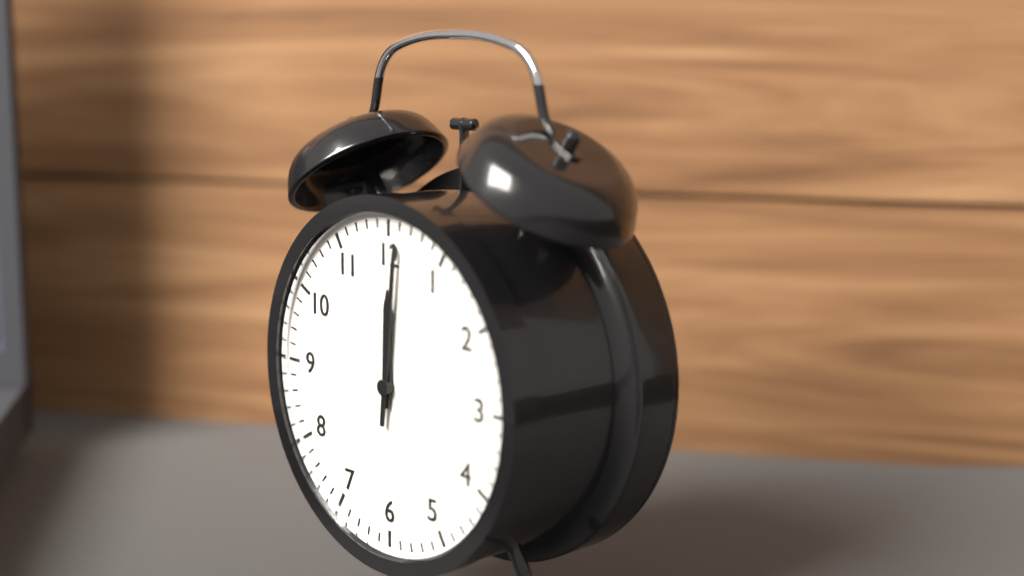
h=12 m=1
